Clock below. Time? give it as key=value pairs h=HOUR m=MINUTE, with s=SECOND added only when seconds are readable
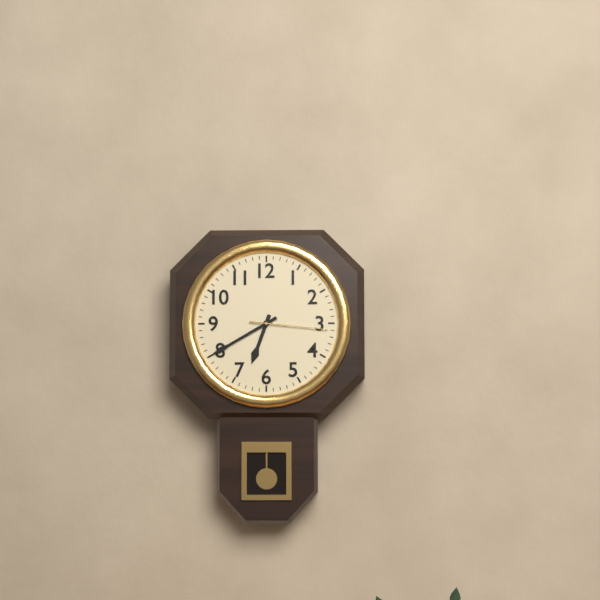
h=6 m=40 s=16
